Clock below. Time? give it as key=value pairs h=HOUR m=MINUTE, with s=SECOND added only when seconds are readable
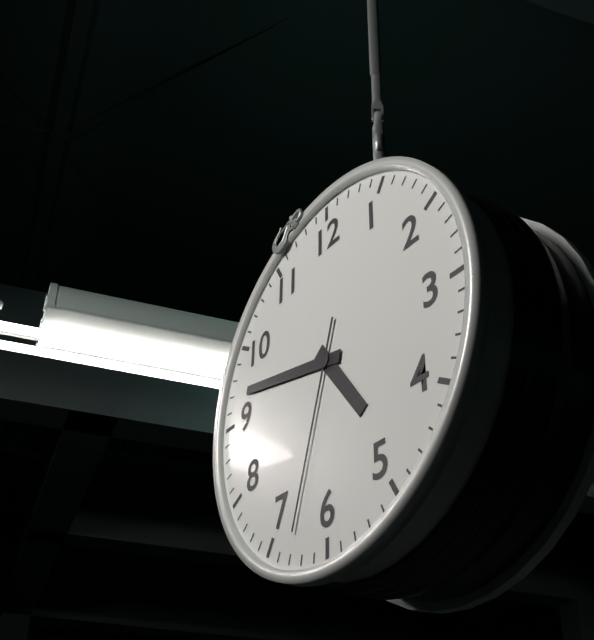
h=4 m=47 s=33
